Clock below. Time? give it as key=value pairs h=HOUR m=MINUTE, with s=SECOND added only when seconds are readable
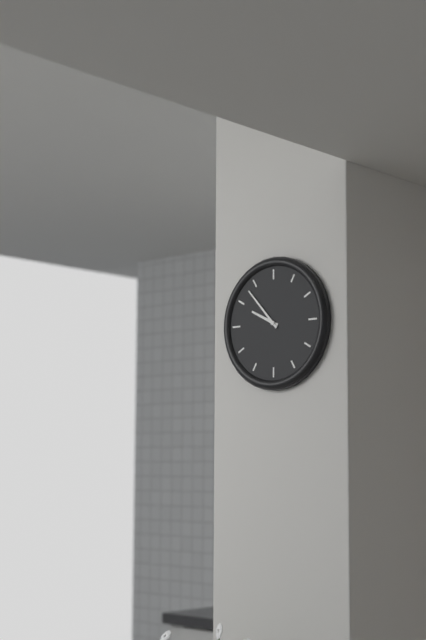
h=9 m=53
